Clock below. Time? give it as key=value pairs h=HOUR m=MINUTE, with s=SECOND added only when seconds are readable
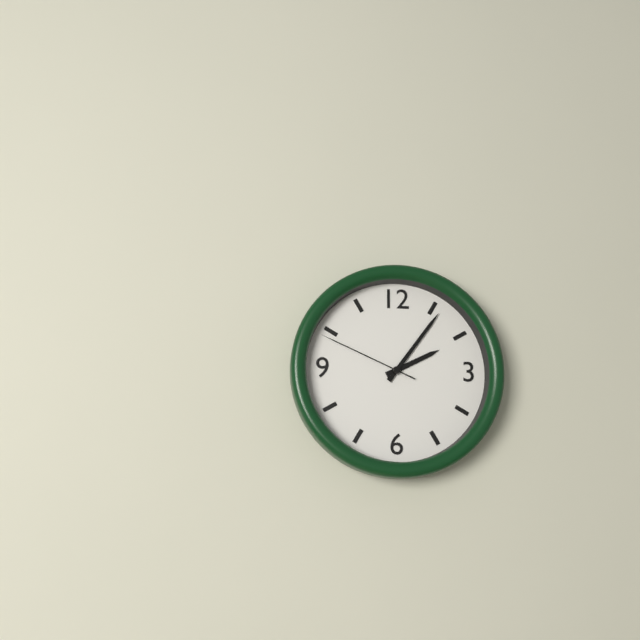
h=2 m=6 s=49
